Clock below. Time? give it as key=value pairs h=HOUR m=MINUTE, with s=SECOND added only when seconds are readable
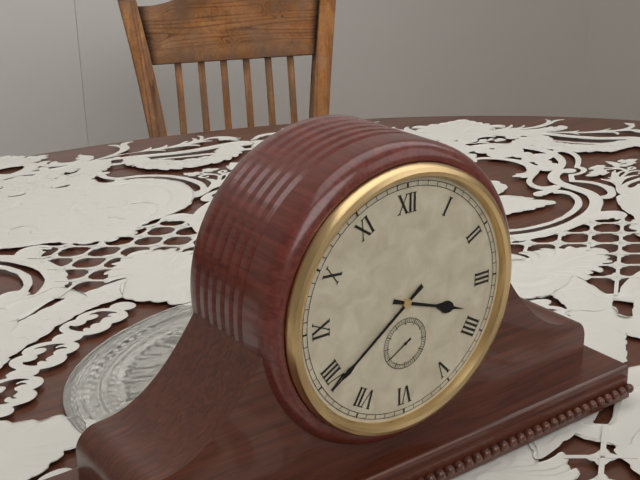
h=3 m=39 s=40
